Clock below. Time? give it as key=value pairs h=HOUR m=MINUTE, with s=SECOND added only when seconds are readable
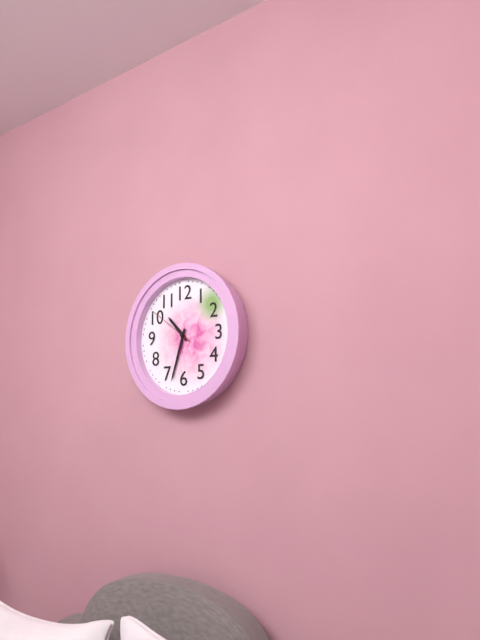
h=10 m=33
